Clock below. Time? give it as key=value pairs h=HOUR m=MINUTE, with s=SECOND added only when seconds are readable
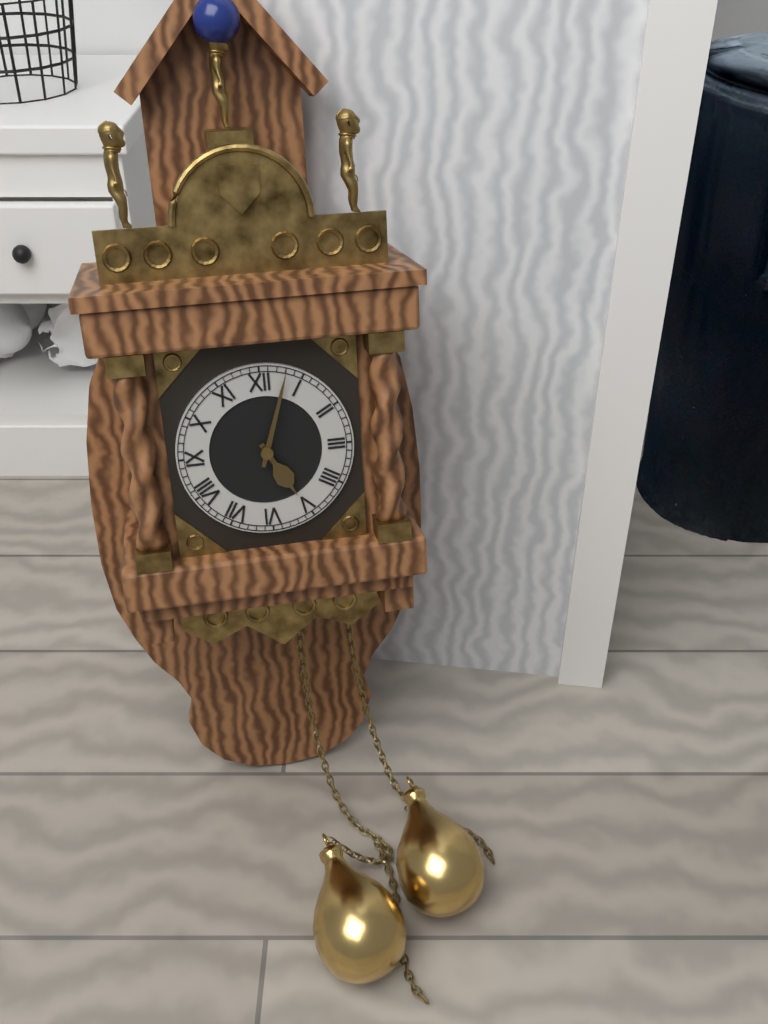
h=5 m=3
